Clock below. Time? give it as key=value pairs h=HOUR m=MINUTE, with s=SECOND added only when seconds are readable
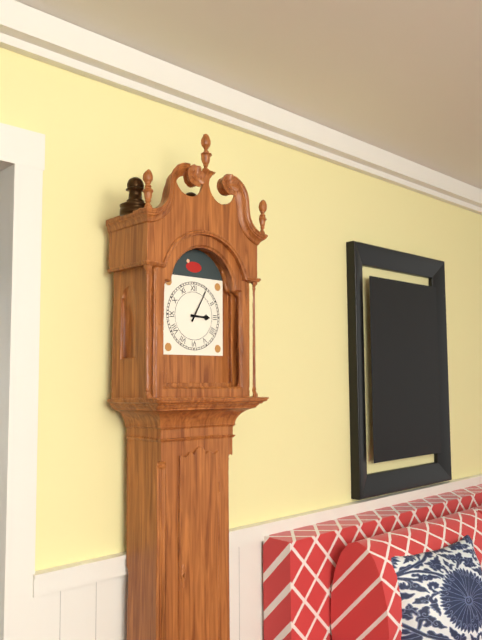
h=3 m=5
